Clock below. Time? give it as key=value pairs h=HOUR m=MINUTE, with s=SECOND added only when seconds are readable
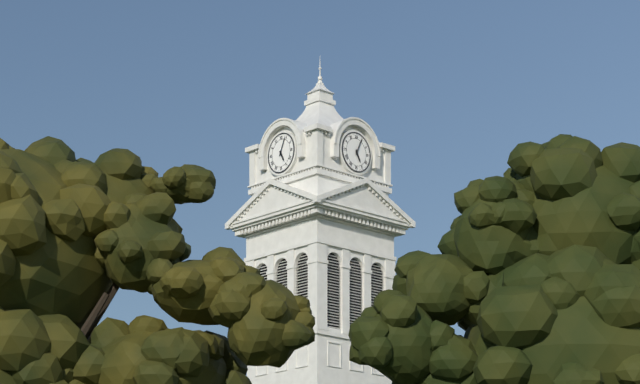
h=5 m=4
